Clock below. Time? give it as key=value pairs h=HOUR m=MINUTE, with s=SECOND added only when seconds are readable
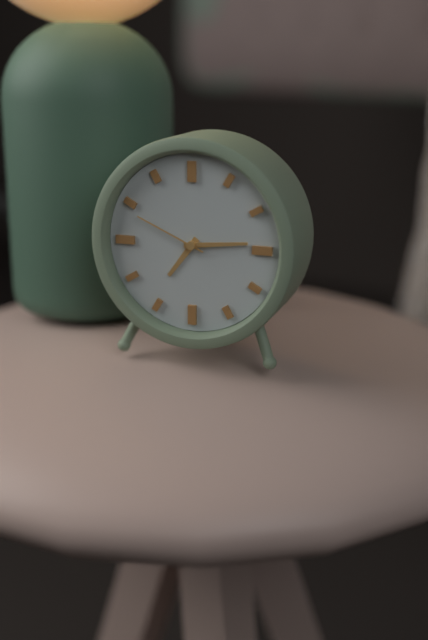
h=7 m=14 s=49
